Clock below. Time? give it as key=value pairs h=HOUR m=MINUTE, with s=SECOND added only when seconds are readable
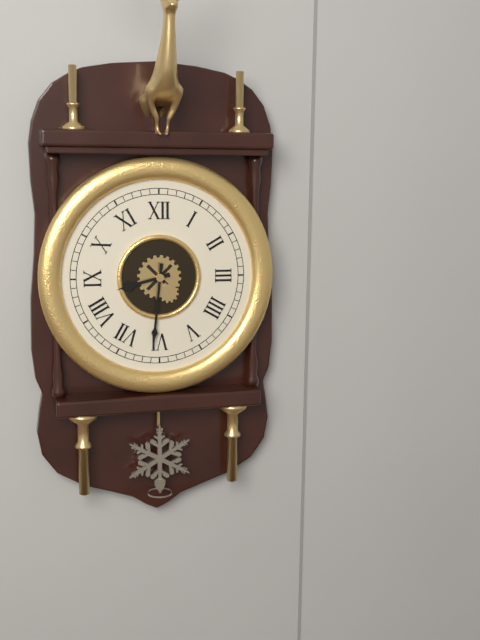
h=8 m=31
